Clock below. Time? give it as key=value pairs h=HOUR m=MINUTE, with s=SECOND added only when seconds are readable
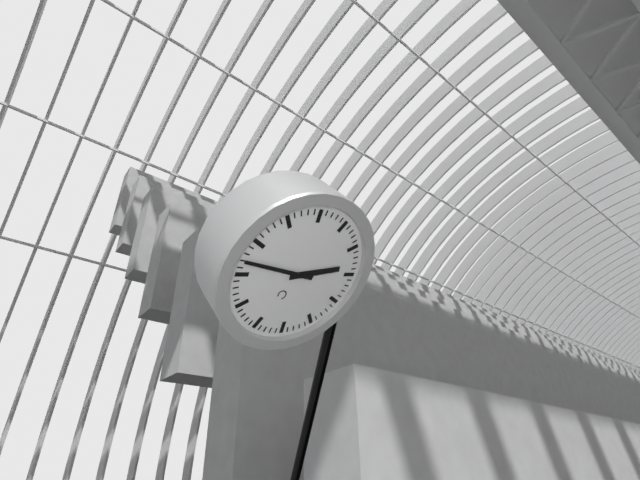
h=1 m=42
